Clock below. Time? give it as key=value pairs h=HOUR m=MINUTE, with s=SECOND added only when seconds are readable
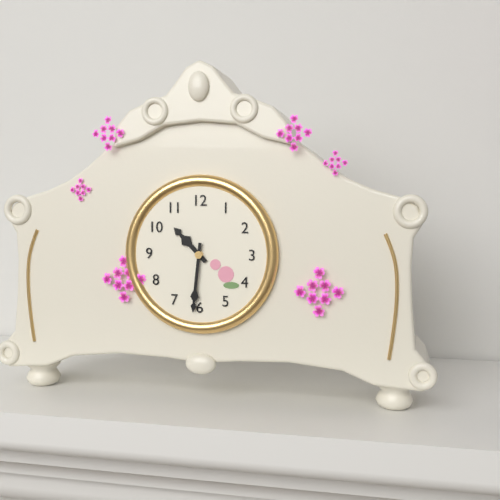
h=10 m=31
